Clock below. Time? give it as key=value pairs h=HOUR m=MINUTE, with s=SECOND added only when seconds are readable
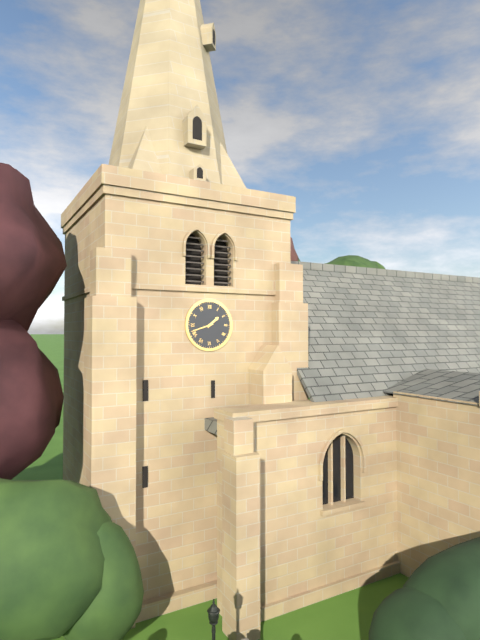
h=1 m=42
